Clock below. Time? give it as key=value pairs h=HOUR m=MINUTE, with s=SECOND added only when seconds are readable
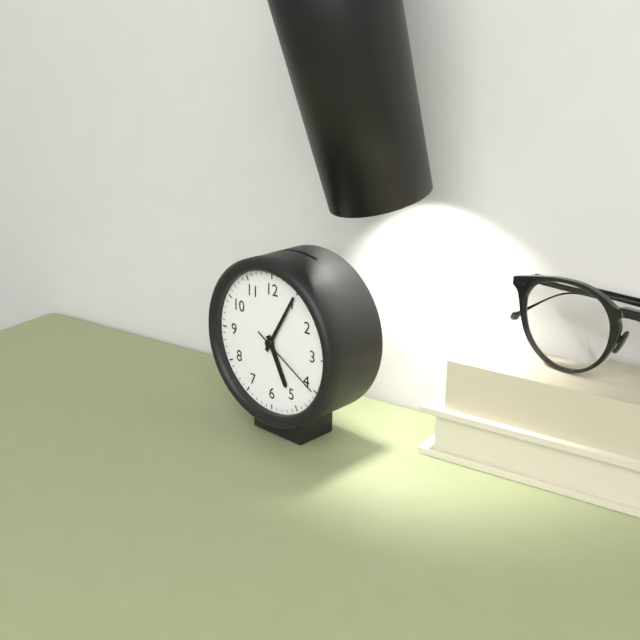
h=5 m=5 s=20
